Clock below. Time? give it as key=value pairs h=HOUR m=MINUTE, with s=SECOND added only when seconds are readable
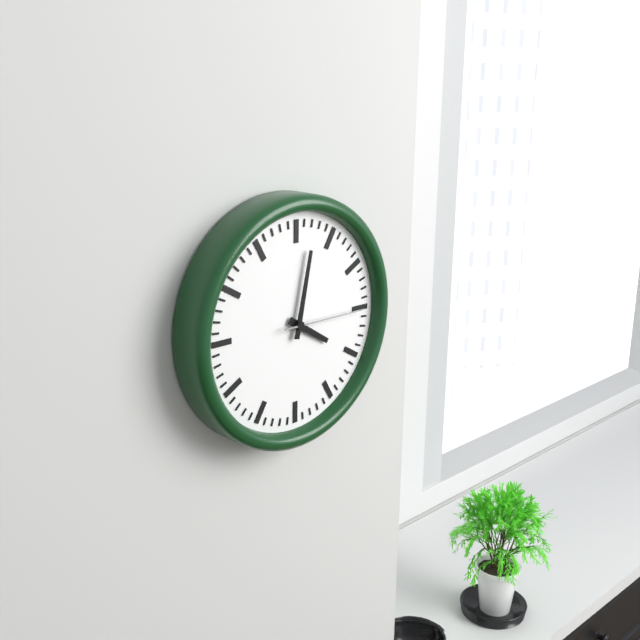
h=4 m=2 s=15
